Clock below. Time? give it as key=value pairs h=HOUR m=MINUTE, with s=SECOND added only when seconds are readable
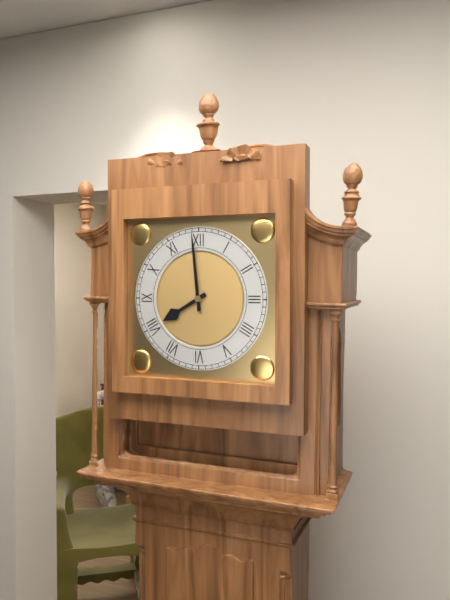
h=7 m=59
